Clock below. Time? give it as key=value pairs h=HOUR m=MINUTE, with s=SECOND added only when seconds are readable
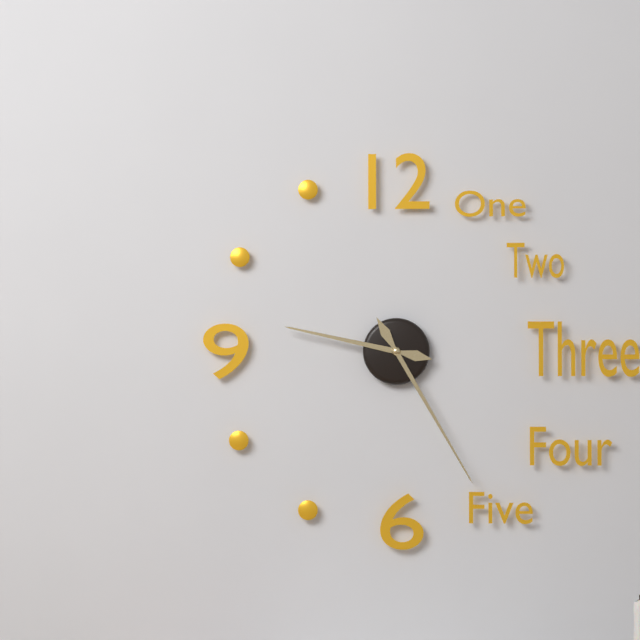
h=9 m=25
